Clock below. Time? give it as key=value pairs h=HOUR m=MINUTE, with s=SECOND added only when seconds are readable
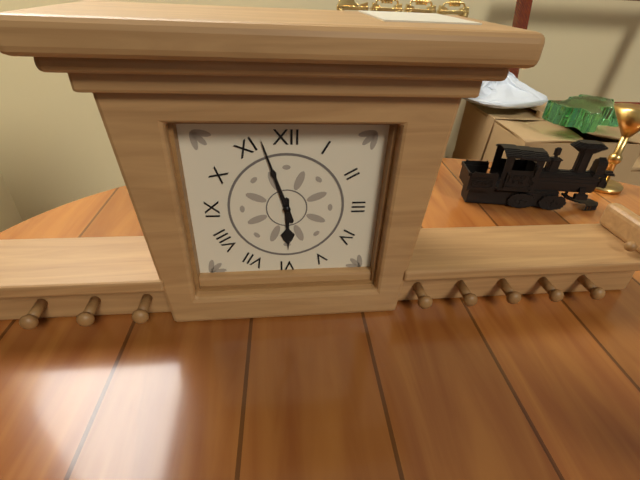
h=5 m=57
